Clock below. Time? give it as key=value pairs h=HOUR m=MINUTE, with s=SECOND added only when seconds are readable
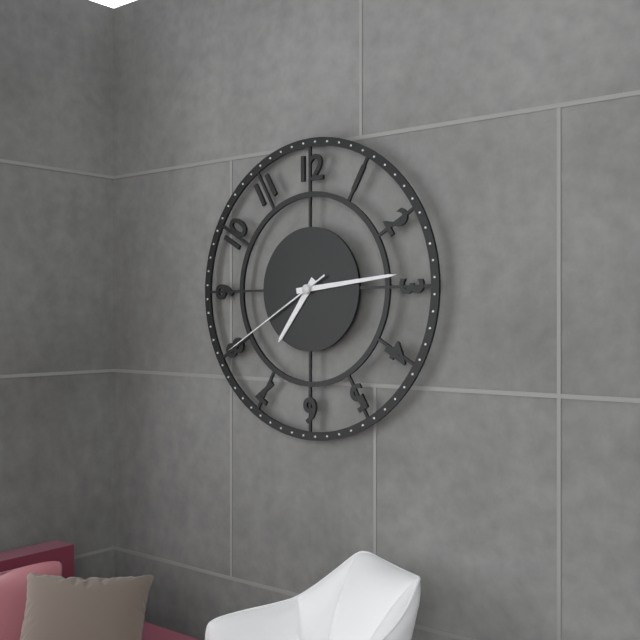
h=7 m=14 s=40
